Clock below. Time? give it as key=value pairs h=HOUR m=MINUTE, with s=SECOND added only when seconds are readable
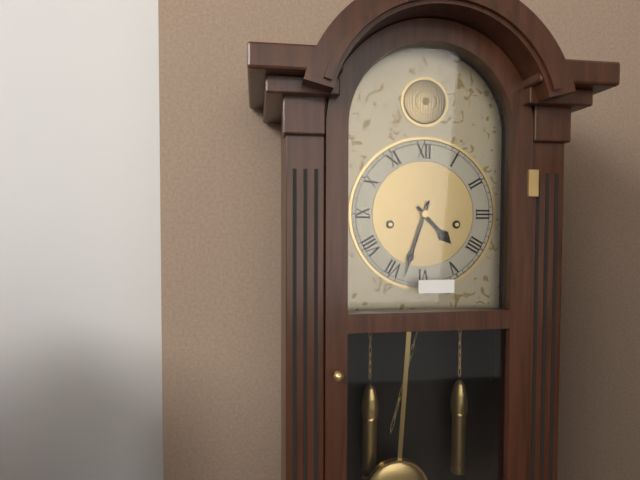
h=4 m=33
